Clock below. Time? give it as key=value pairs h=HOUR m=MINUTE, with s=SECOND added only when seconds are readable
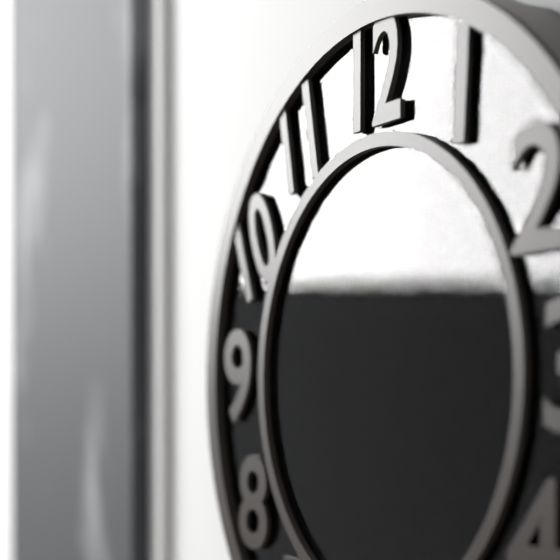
h=10 m=56
